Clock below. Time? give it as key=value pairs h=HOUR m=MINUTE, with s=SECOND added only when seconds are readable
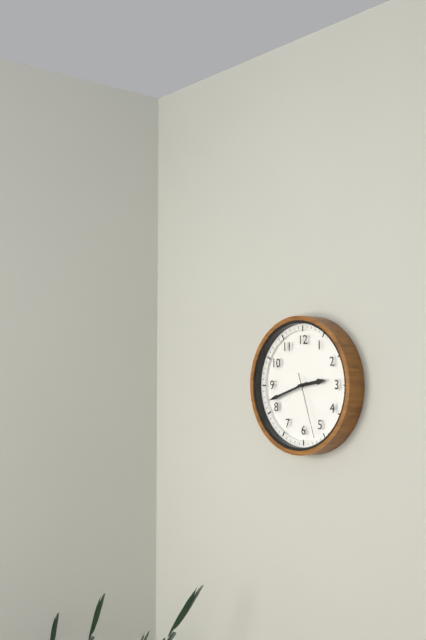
h=2 m=42 s=27
